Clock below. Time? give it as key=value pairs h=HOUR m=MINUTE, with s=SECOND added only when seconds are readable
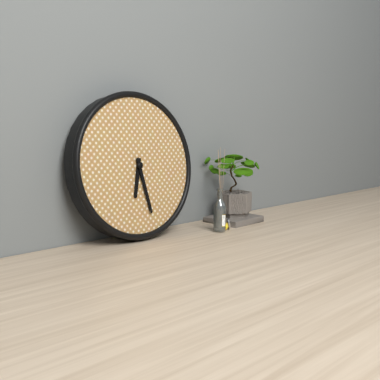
h=6 m=28
